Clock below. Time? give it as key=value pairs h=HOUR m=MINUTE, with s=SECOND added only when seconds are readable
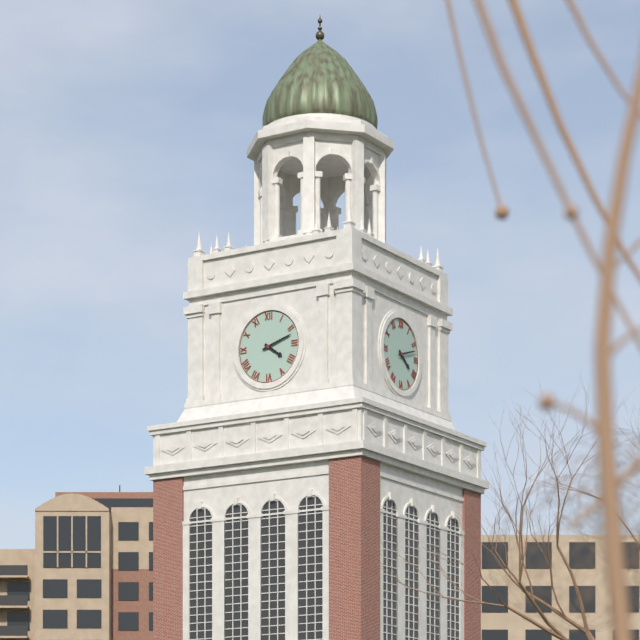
h=4 m=12
